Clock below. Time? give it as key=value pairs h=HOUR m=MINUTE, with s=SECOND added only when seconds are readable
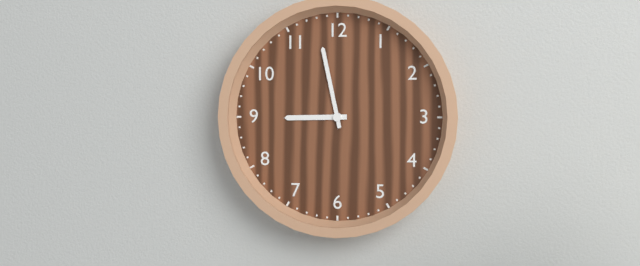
h=8 m=58
